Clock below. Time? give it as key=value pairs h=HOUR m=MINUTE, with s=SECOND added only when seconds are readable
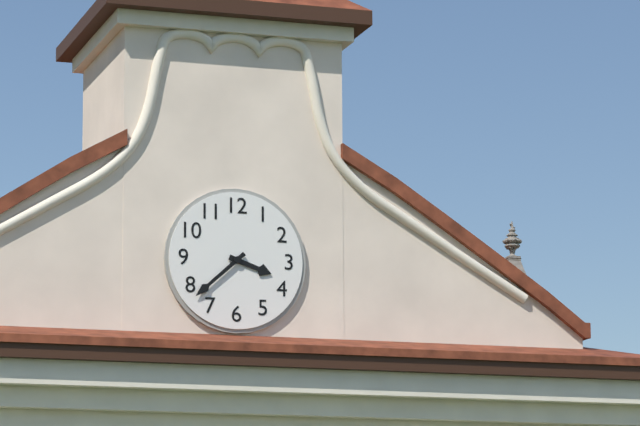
h=3 m=38
